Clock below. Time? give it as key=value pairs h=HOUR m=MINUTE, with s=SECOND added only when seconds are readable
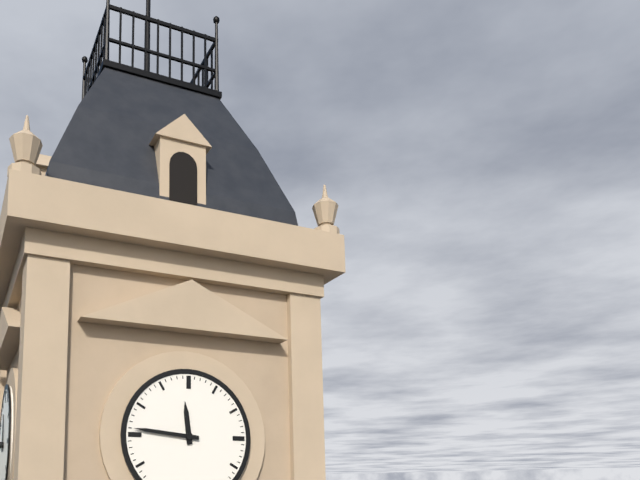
h=11 m=46
